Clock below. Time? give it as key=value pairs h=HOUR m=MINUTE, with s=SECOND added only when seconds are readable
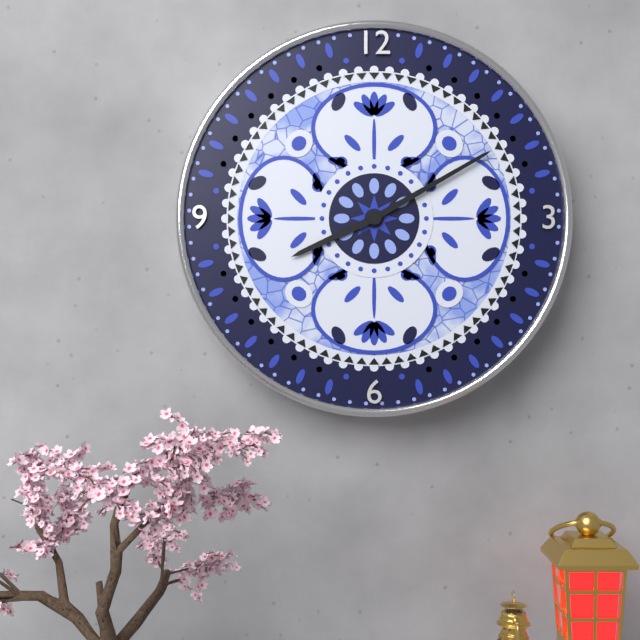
h=8 m=10
